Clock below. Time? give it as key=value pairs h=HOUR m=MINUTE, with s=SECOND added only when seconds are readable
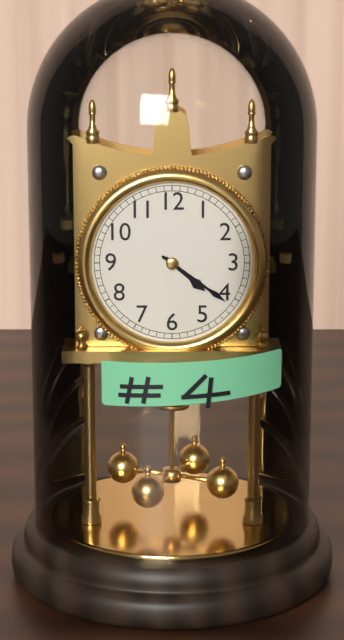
h=4 m=21
